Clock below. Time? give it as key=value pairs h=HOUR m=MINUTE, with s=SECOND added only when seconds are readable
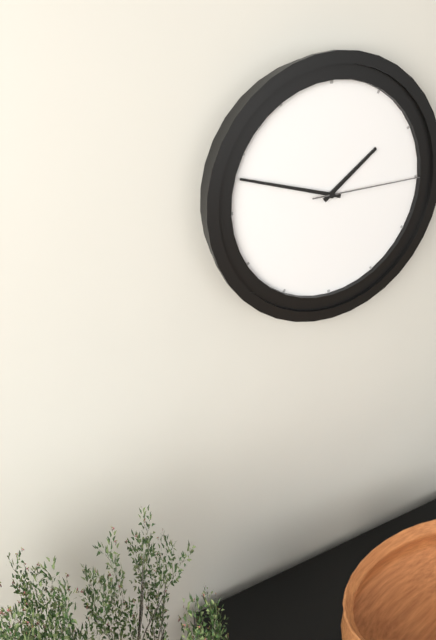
h=1 m=48 s=15
